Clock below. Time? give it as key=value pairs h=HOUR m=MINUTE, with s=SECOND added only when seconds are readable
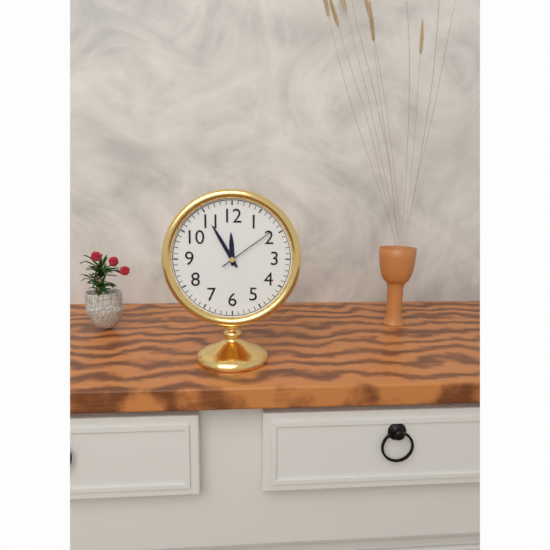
h=11 m=55 s=9
